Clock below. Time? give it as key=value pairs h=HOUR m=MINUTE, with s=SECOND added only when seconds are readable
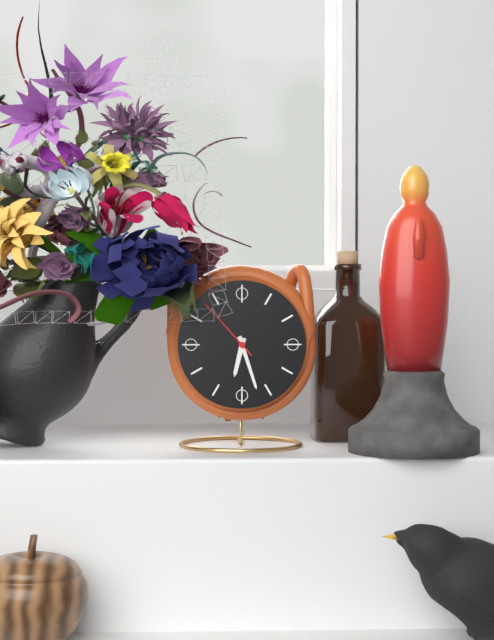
h=6 m=27 s=53
